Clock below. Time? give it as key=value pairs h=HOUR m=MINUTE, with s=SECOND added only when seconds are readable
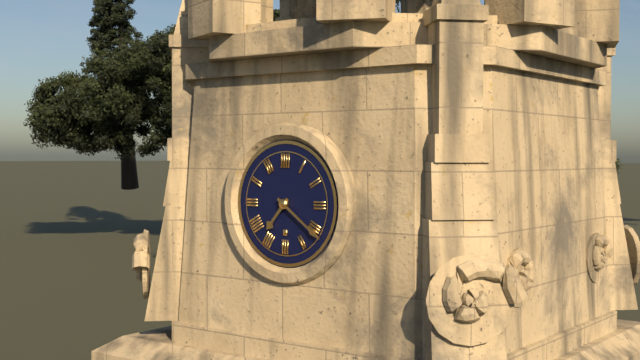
h=7 m=21
